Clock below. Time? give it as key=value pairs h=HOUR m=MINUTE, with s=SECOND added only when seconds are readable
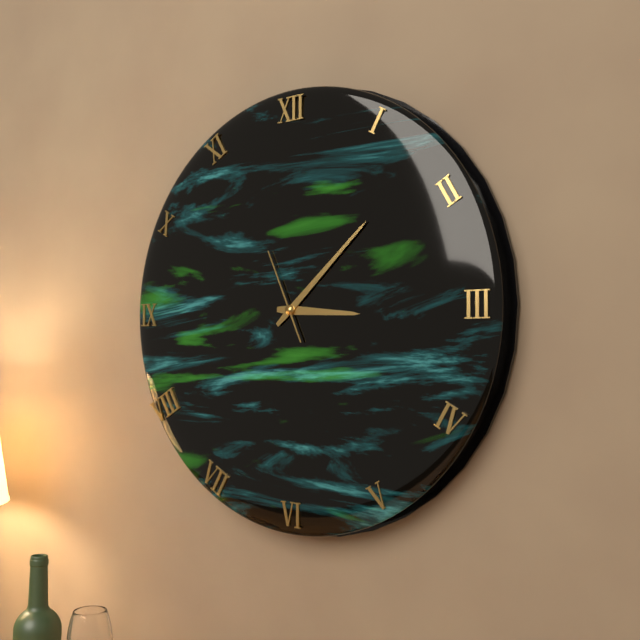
h=3 m=8 s=56
